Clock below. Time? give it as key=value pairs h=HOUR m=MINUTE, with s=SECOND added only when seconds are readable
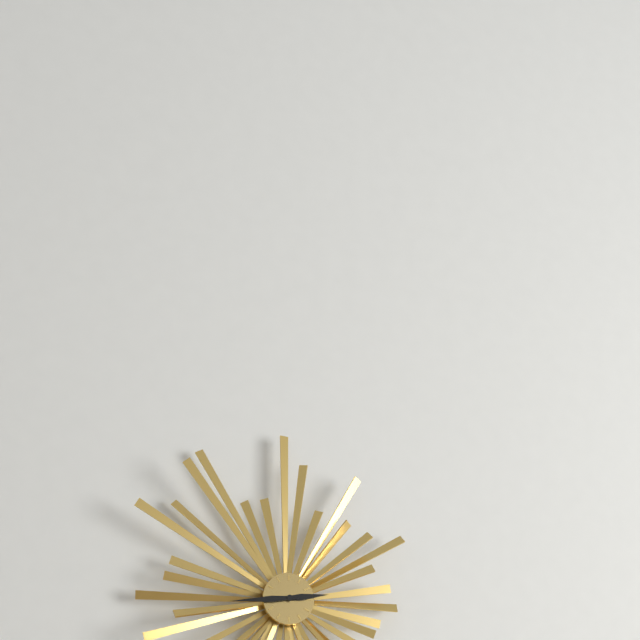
h=2 m=44
